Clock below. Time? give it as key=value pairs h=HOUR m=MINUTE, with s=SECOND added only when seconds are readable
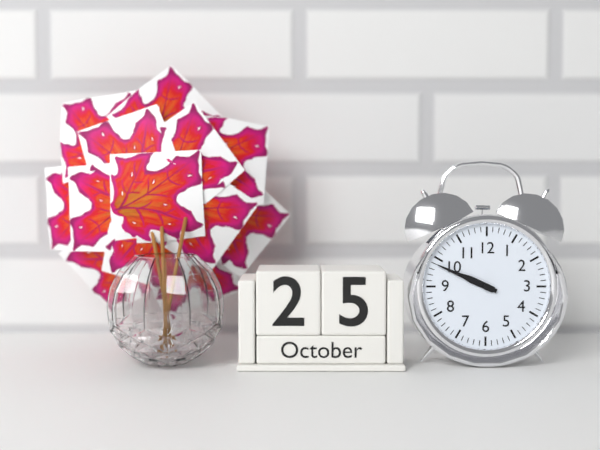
h=9 m=49
